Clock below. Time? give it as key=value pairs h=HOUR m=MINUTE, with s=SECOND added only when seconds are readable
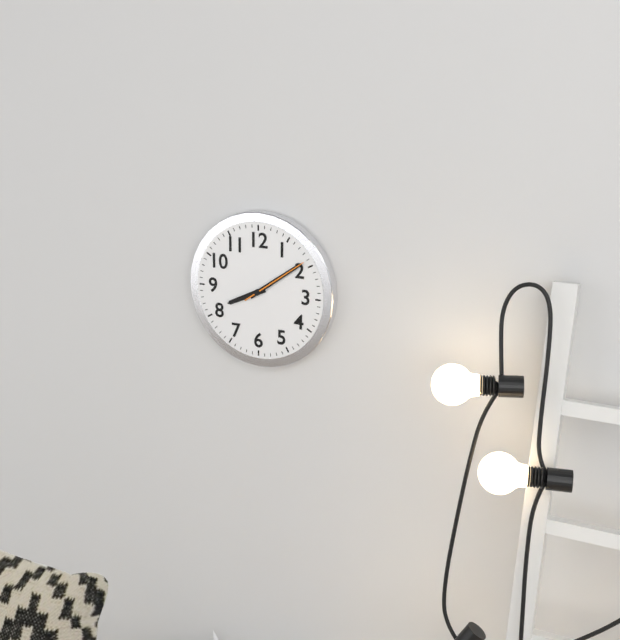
h=8 m=9 s=9
